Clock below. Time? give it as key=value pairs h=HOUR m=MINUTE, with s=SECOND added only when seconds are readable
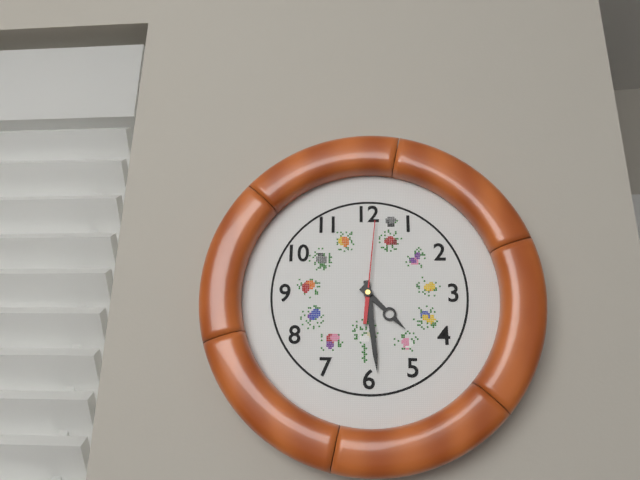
h=4 m=29 s=1
